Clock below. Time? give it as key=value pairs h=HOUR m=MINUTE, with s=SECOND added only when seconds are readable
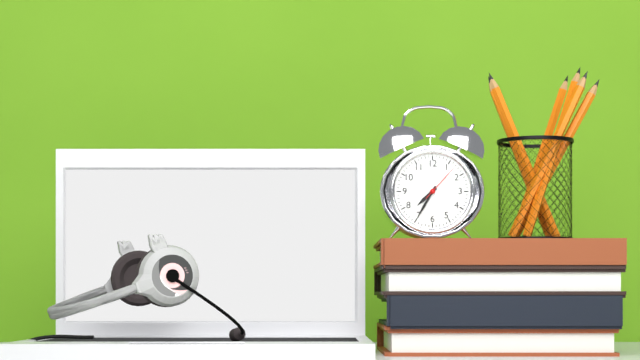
h=7 m=35
